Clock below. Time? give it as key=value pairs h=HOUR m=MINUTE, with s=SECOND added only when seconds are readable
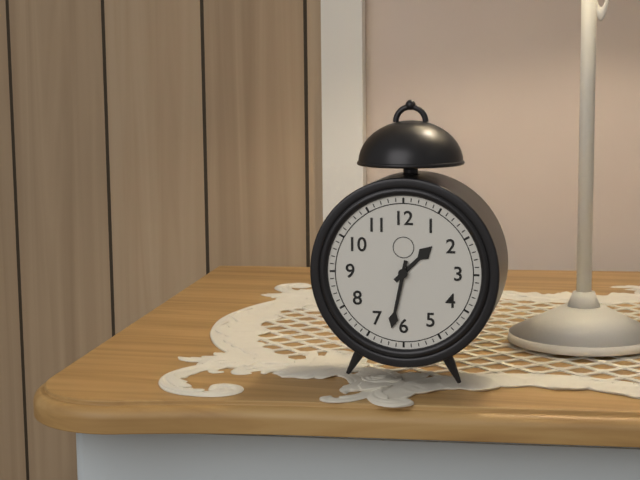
h=1 m=32
